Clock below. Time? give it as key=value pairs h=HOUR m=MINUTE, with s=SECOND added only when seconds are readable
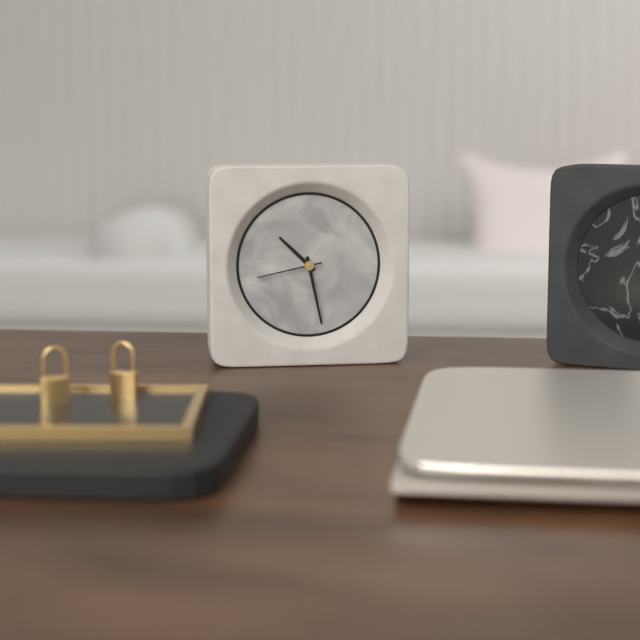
h=10 m=28 s=43
